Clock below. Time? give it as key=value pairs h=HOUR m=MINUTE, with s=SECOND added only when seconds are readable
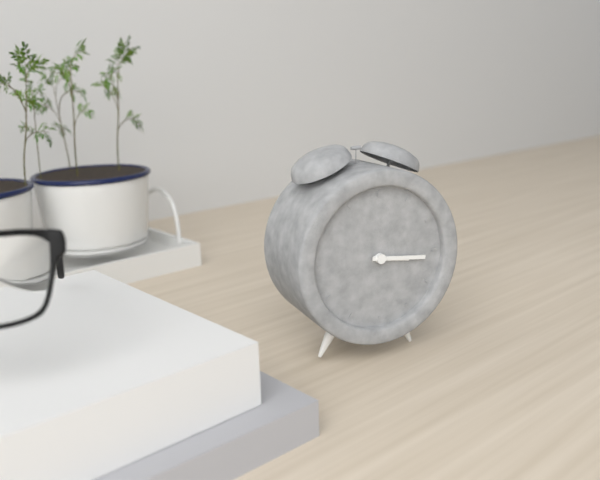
h=3 m=16
